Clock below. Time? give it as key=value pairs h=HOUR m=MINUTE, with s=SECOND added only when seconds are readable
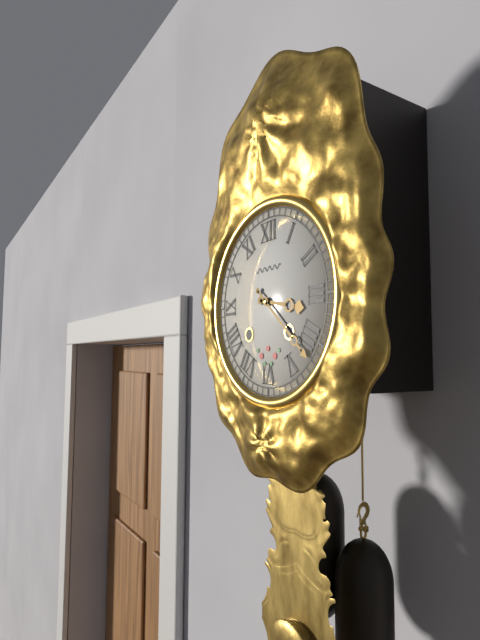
h=3 m=22
